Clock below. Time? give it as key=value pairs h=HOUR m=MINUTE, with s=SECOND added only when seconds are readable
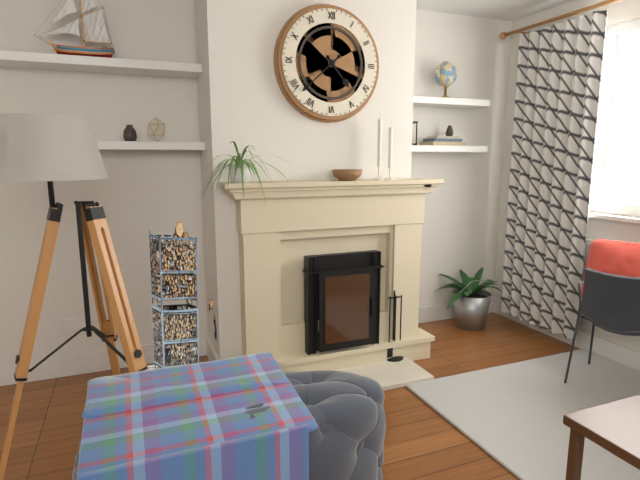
h=4 m=38
